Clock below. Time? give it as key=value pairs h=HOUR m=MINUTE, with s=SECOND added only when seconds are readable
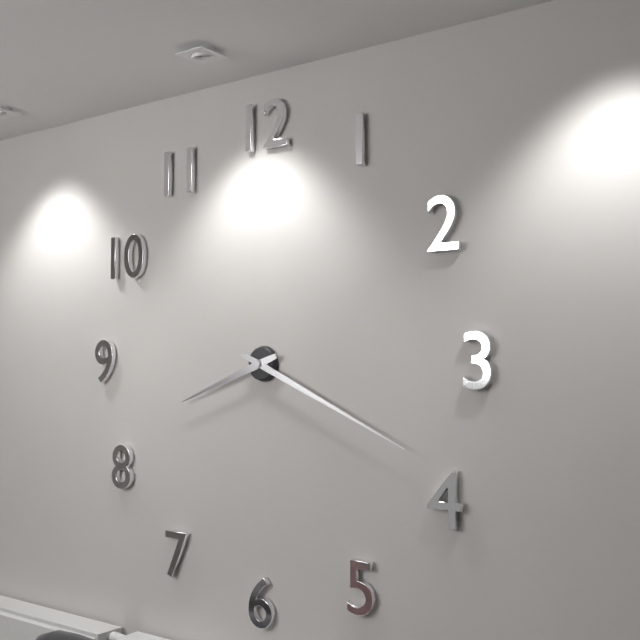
h=8 m=19
